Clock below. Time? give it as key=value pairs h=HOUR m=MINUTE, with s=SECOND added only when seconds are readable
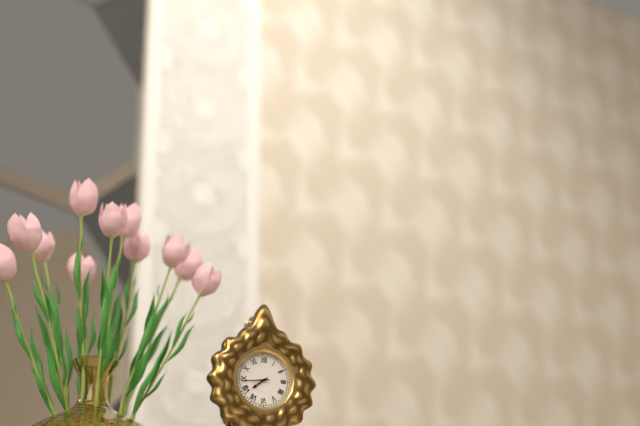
h=7 m=44
